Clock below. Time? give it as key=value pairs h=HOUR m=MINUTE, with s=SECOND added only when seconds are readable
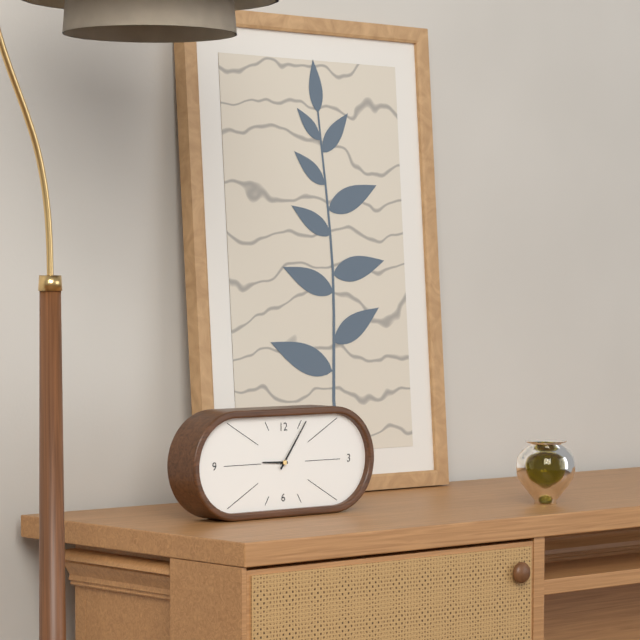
h=9 m=6
